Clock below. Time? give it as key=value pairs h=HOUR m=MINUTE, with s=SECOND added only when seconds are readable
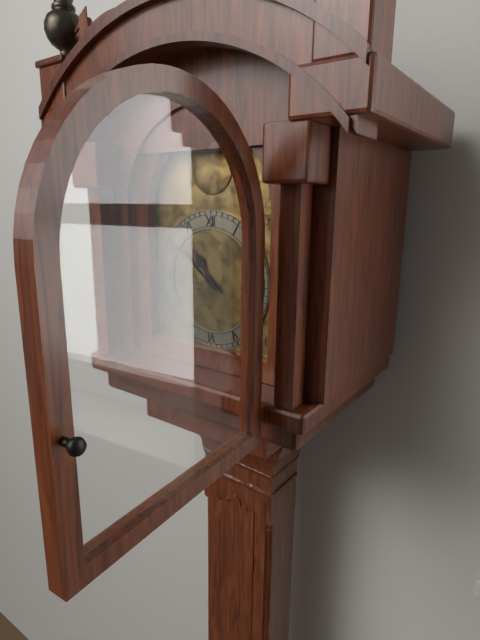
h=10 m=51
